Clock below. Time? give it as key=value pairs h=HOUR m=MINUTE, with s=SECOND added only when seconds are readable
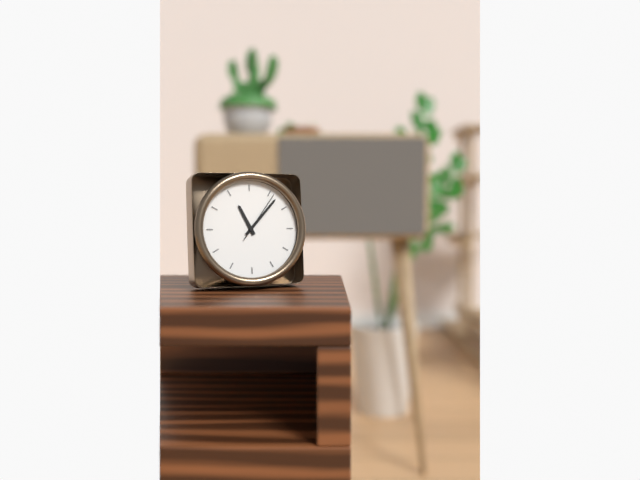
h=11 m=7 s=6
